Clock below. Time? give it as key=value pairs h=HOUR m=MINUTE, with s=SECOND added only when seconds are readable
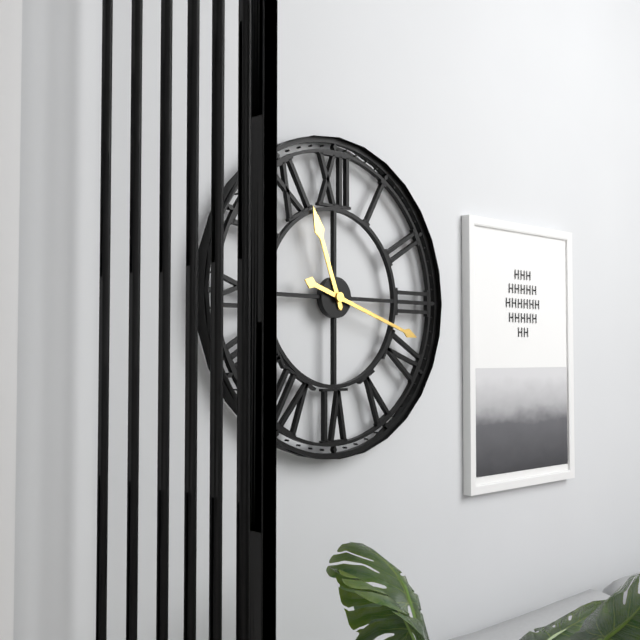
h=11 m=18
